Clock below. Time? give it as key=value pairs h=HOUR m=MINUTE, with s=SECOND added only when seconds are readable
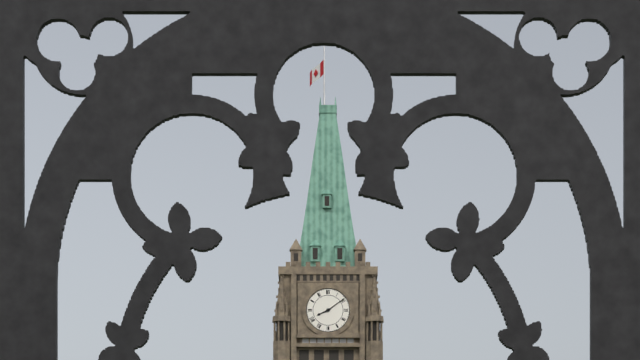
h=8 m=9
